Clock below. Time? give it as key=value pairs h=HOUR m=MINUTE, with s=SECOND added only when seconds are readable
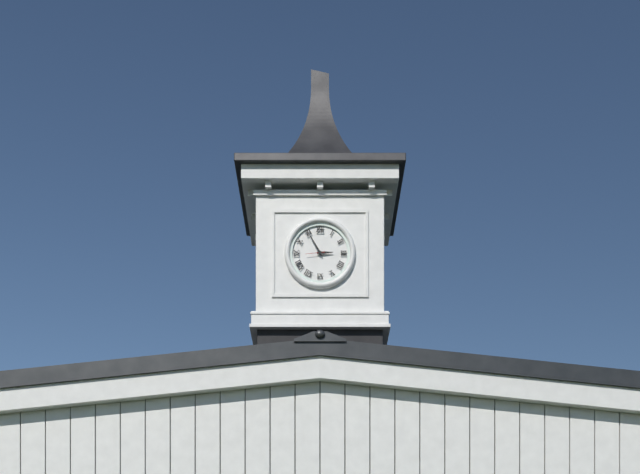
h=2 m=55
